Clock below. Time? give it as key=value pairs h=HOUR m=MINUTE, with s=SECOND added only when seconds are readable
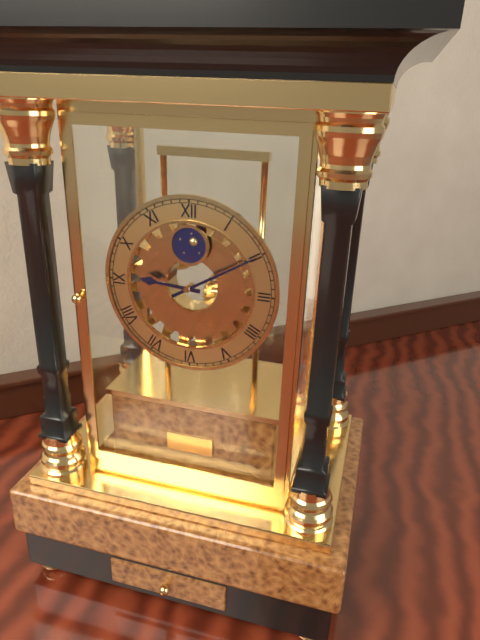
h=9 m=10
